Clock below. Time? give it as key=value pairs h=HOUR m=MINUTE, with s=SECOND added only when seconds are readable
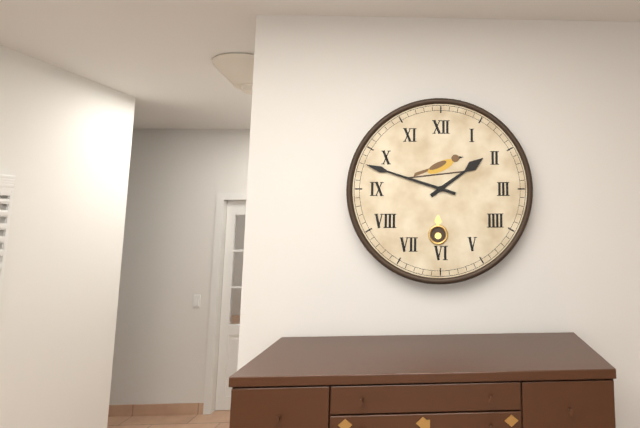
h=1 m=48
